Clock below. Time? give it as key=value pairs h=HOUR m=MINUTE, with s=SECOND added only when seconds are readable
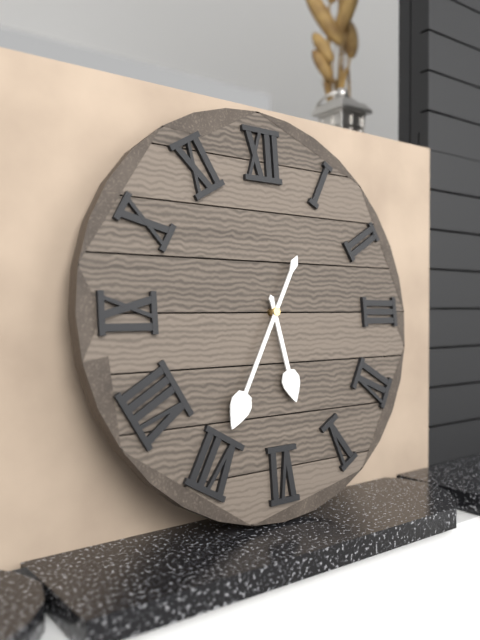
h=5 m=35
